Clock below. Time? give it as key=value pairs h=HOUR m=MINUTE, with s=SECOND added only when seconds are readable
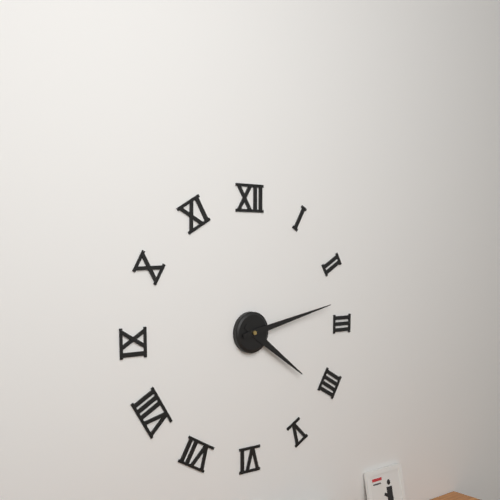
h=4 m=13
